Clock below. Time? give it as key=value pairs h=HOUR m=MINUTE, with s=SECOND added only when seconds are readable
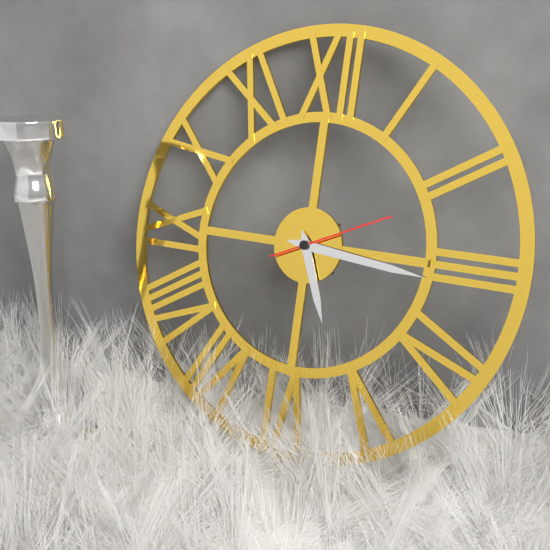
h=5 m=16 s=11
